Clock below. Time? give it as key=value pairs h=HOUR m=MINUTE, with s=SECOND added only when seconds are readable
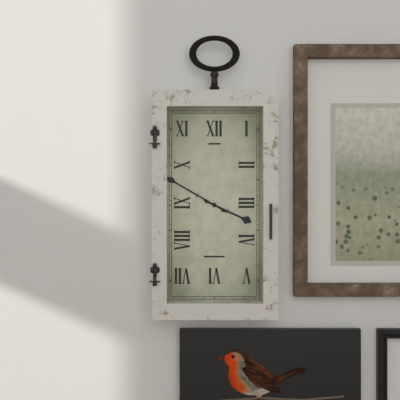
h=3 m=50
